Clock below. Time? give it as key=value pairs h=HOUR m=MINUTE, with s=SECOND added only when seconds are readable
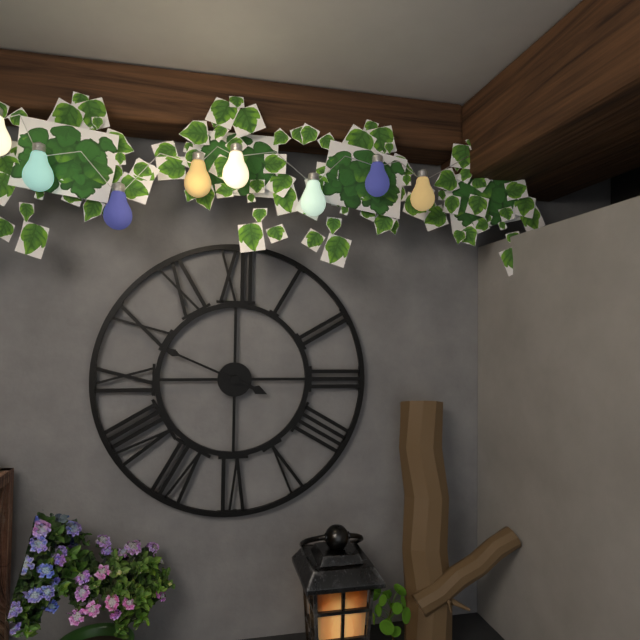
h=3 m=49
